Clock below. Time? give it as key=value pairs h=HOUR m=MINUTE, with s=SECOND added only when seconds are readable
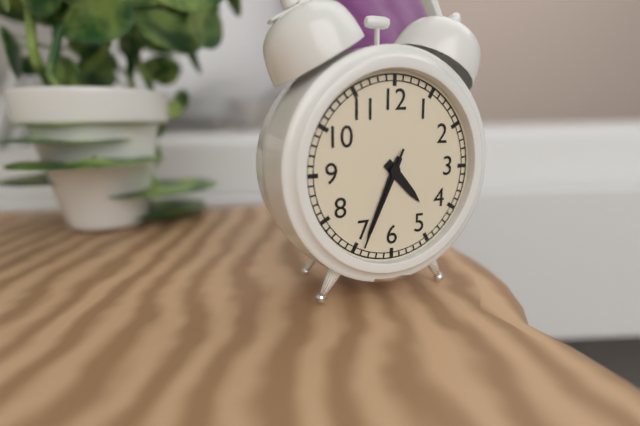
h=4 m=34 s=34
